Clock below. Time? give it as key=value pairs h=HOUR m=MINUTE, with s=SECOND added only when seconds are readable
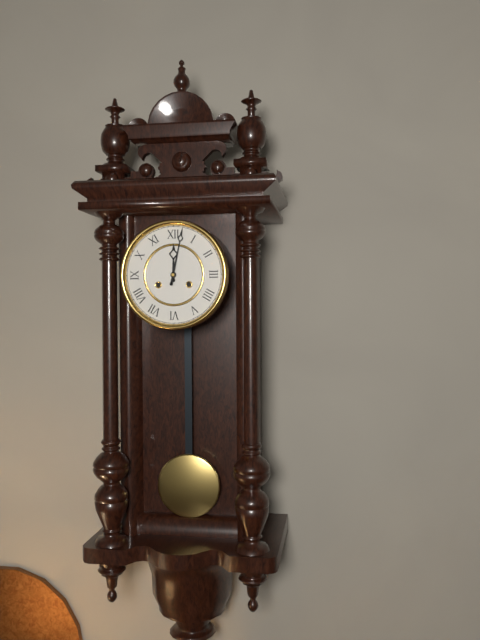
h=12 m=2
